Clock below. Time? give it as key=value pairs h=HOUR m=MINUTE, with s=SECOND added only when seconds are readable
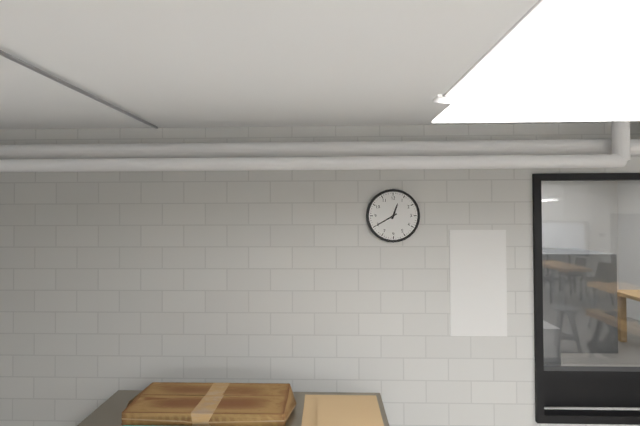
h=12 m=40
